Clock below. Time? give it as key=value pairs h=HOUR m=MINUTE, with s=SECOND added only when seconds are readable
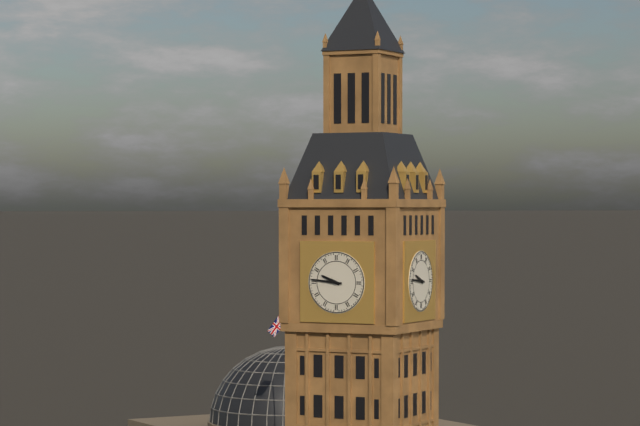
h=9 m=46
